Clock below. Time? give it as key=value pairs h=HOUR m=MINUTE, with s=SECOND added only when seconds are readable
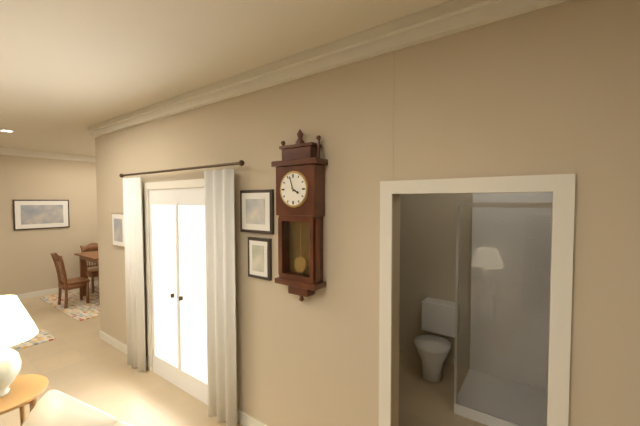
h=3 m=57
